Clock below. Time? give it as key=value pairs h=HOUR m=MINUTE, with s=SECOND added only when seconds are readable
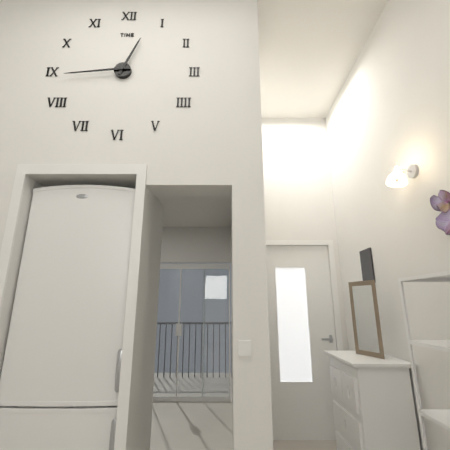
h=12 m=44
